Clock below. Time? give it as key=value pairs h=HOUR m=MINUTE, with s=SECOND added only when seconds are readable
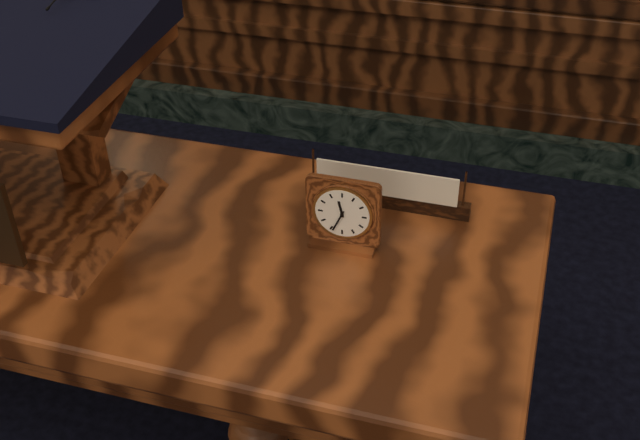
h=11 m=34
